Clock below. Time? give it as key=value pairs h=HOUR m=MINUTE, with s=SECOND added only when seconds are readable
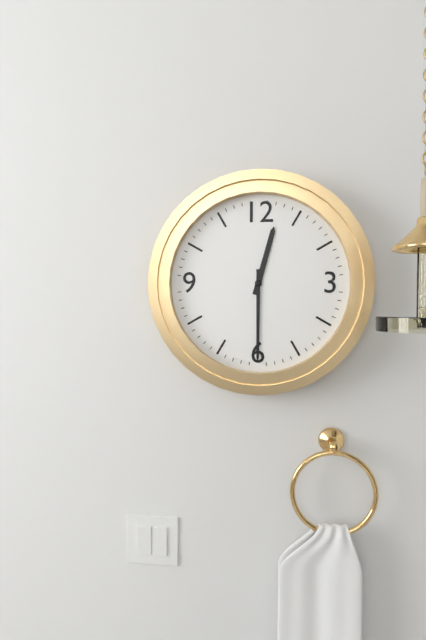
h=12 m=30
